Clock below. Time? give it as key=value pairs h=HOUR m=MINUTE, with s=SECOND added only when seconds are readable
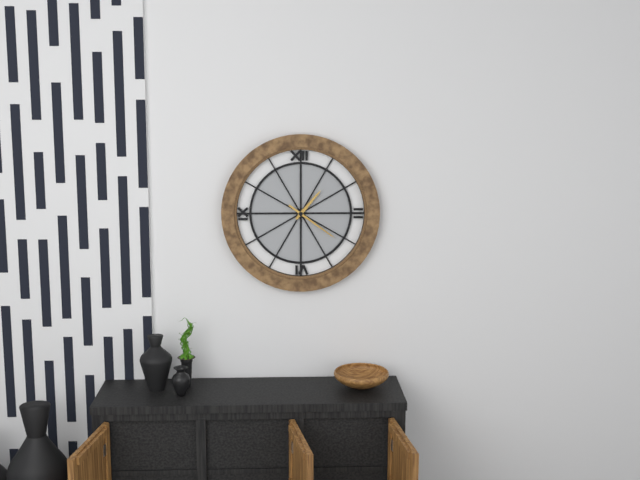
h=1 m=21
